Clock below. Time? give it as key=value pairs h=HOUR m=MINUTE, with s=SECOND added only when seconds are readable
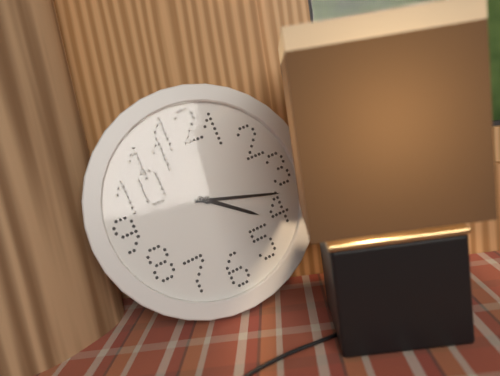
h=4 m=18
